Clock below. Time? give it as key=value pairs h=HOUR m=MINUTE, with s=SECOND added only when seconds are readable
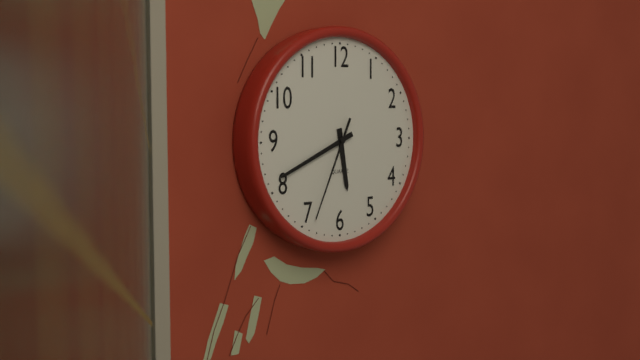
h=5 m=41 s=34
